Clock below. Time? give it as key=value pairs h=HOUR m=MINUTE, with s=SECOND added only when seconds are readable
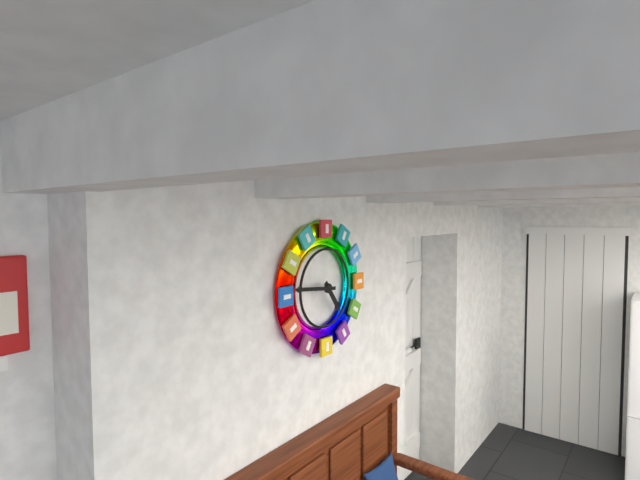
h=4 m=46
